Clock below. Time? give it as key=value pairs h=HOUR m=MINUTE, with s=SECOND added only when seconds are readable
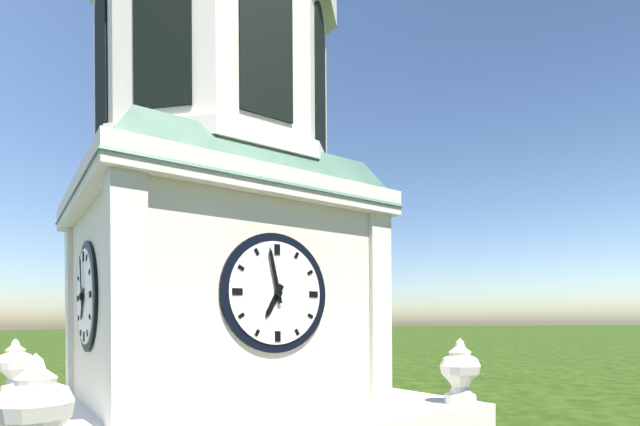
h=6 m=58
